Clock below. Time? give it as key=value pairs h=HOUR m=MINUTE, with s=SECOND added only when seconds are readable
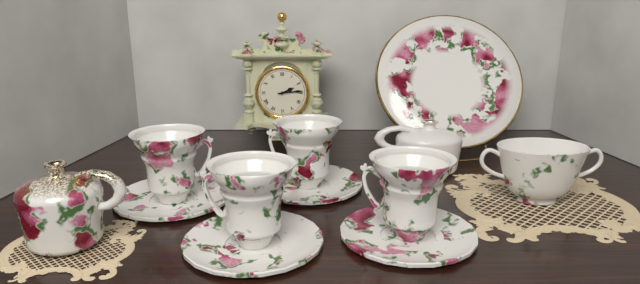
h=2 m=14
